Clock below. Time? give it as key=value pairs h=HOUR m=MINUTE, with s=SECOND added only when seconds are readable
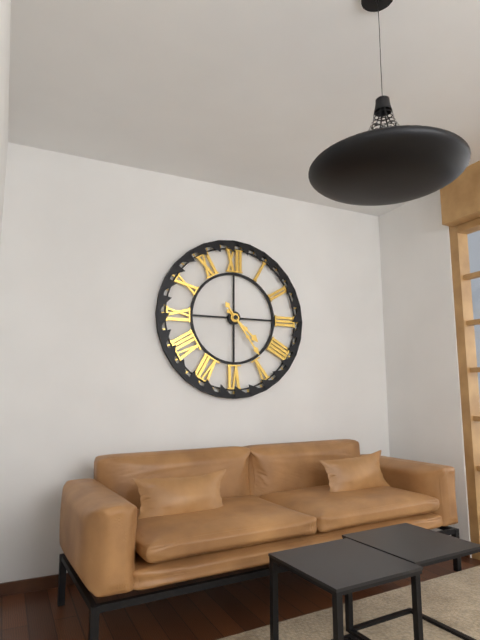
h=4 m=24
